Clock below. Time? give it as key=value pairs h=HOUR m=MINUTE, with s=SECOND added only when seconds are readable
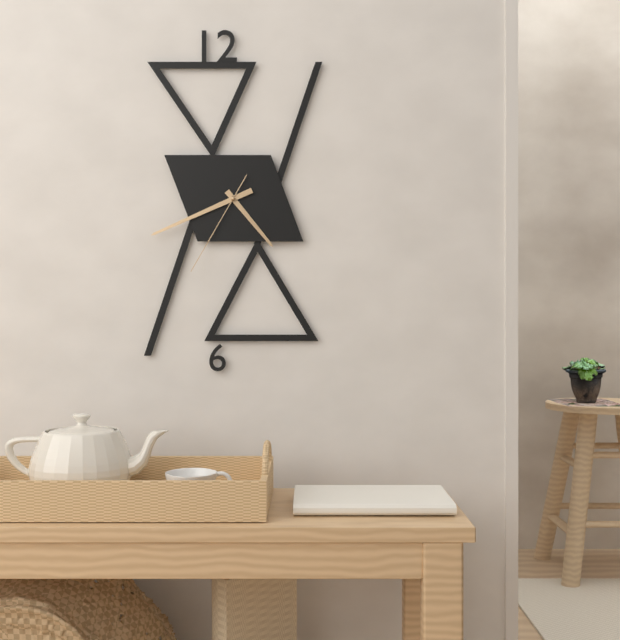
h=4 m=41 s=35
